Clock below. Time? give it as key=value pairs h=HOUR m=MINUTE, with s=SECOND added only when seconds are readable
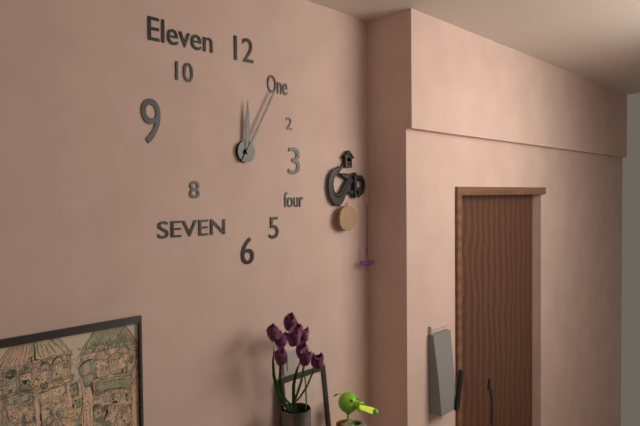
h=12 m=5
